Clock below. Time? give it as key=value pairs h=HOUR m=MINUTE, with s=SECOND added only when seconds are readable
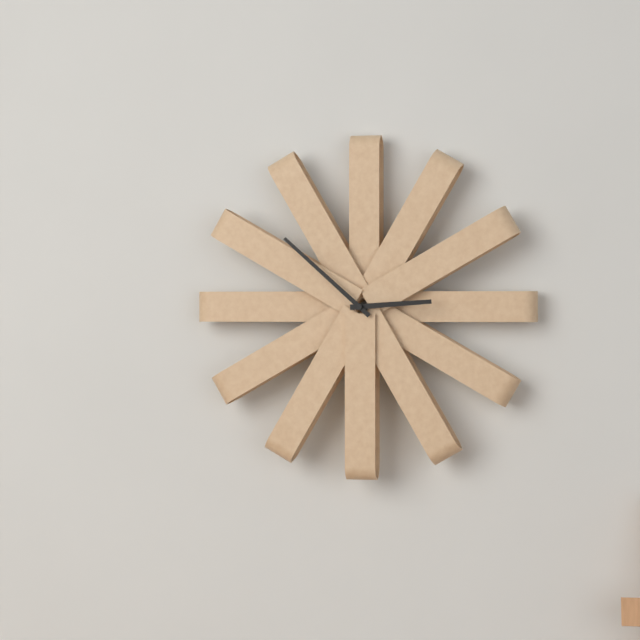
h=2 m=52
